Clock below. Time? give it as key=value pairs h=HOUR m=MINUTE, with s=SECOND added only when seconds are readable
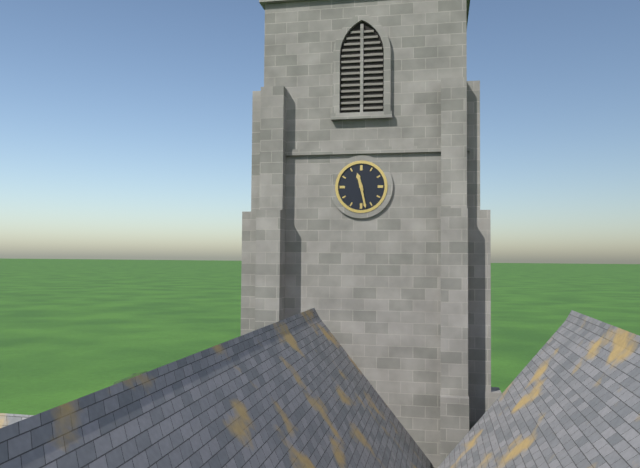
h=11 m=28
